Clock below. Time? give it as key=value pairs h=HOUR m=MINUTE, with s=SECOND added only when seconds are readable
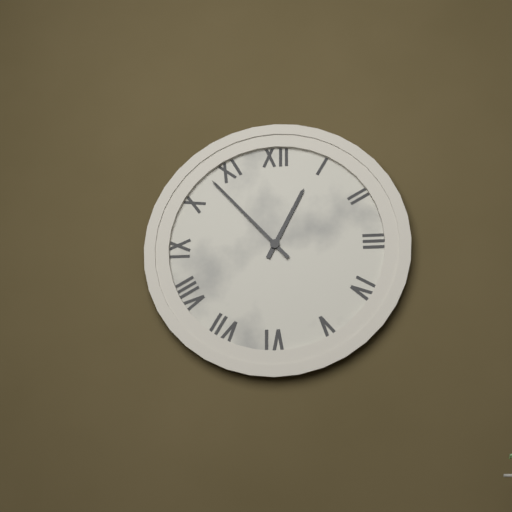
h=12 m=53
